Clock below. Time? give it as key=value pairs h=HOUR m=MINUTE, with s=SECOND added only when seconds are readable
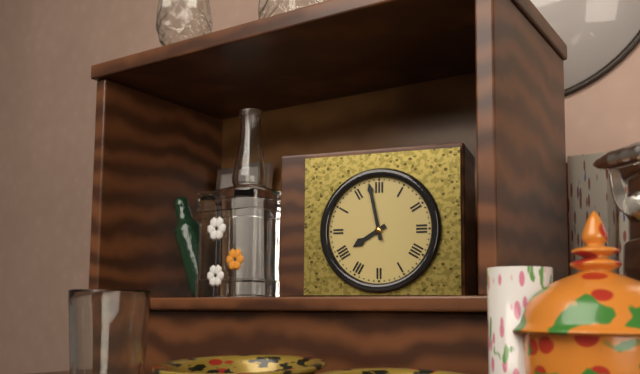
h=7 m=58
